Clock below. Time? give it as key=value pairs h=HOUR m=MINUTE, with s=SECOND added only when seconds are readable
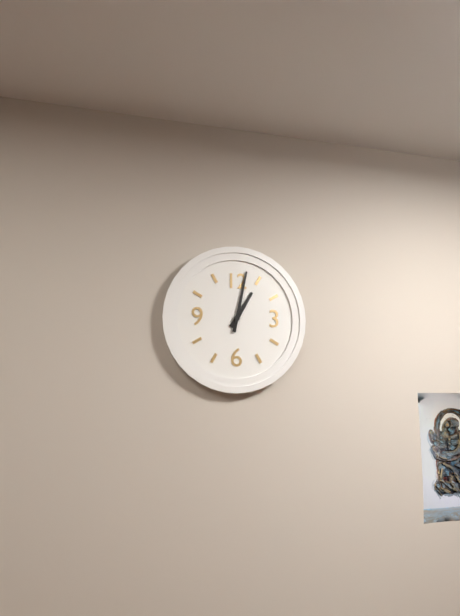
h=1 m=2
